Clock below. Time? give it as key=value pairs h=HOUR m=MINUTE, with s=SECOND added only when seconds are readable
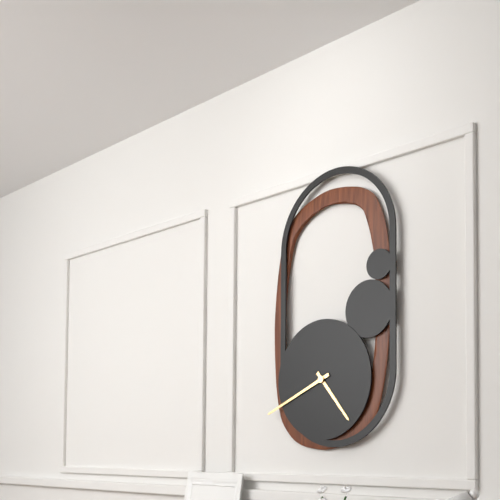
h=4 m=41
